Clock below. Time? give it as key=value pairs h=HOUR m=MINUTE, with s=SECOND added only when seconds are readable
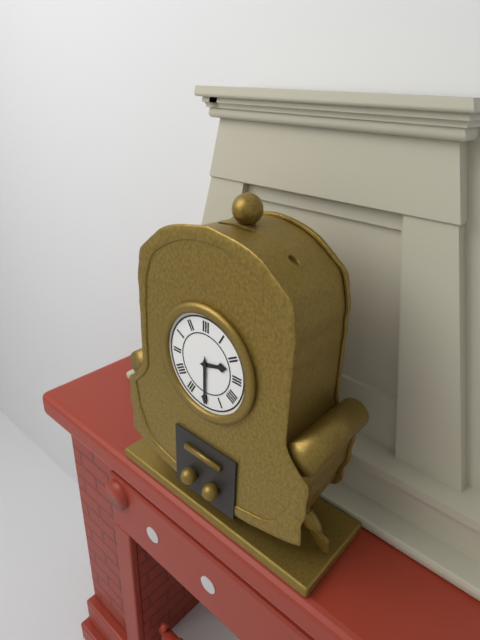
h=2 m=30
